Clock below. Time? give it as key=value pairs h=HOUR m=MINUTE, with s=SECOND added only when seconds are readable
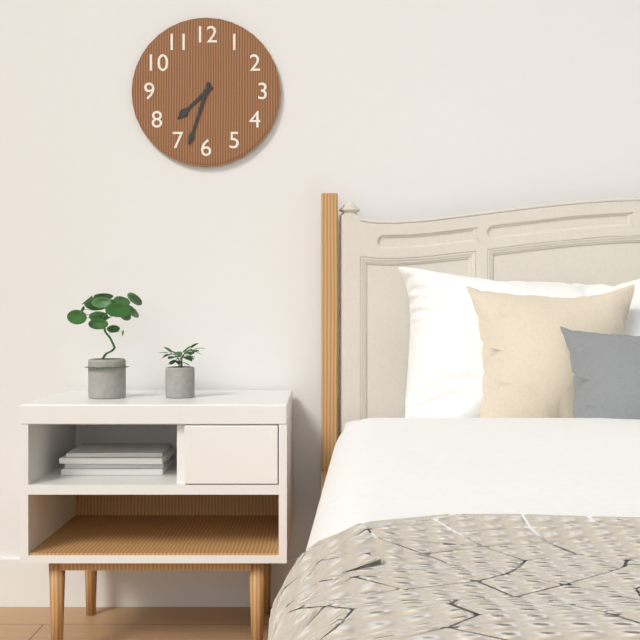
h=7 m=33
